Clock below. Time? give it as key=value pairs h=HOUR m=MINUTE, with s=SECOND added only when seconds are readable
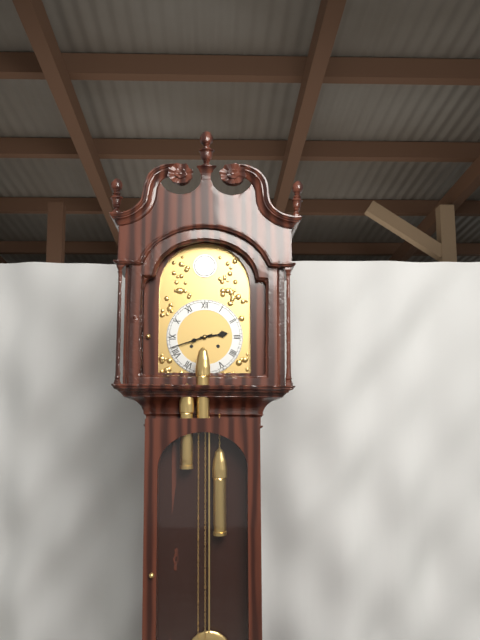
h=2 m=42
